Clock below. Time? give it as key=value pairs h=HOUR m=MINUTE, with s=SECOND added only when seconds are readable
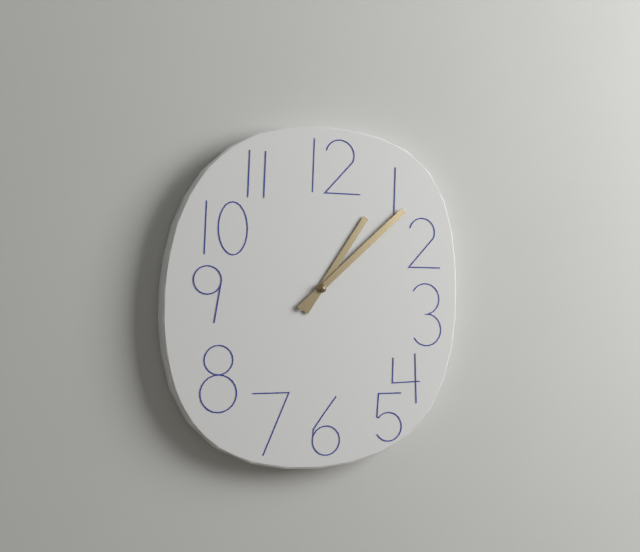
h=1 m=8
